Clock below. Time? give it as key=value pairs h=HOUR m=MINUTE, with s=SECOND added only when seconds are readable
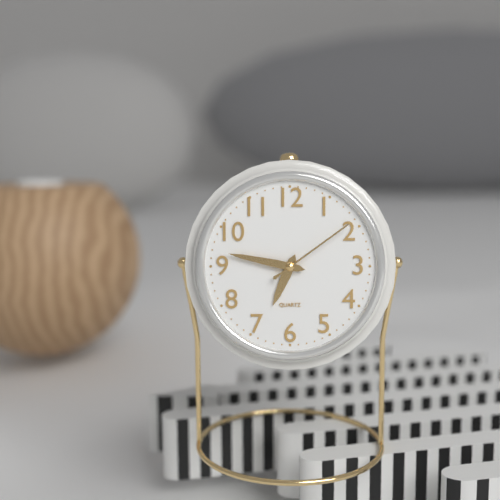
h=6 m=47 s=9
